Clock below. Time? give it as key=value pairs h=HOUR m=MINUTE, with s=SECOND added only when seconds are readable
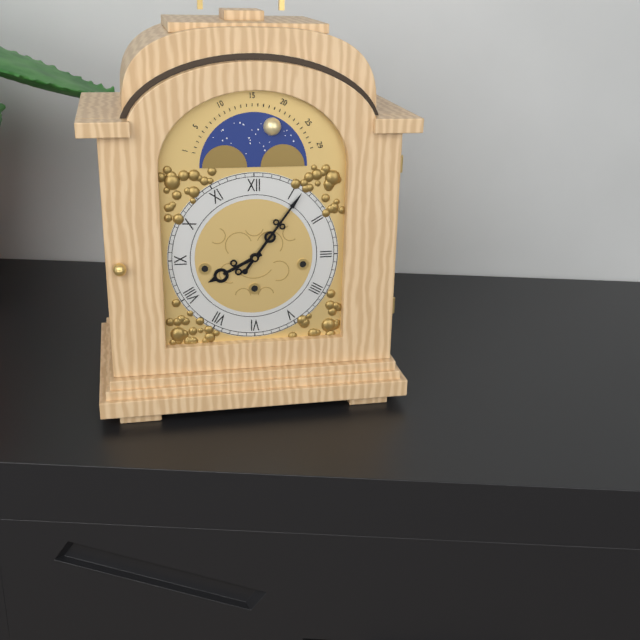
h=8 m=6
